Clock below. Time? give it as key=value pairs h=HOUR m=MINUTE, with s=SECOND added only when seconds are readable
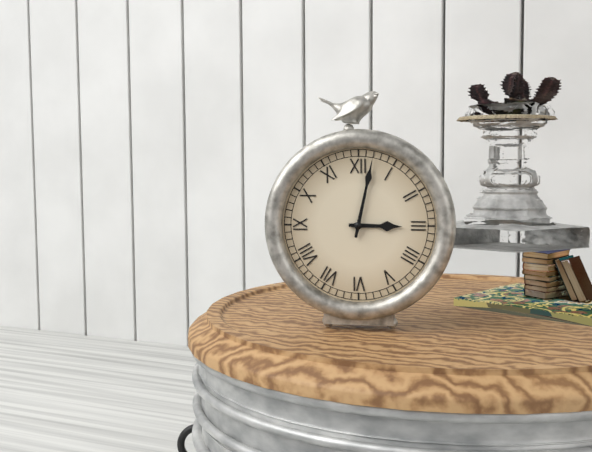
h=3 m=2
